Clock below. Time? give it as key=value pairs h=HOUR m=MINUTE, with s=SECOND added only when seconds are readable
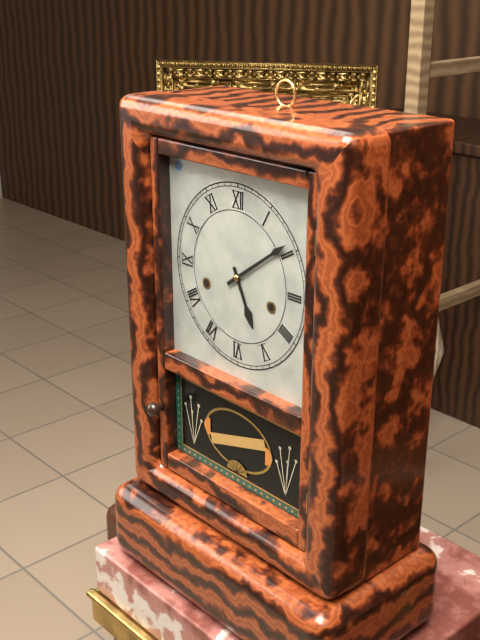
h=5 m=9
